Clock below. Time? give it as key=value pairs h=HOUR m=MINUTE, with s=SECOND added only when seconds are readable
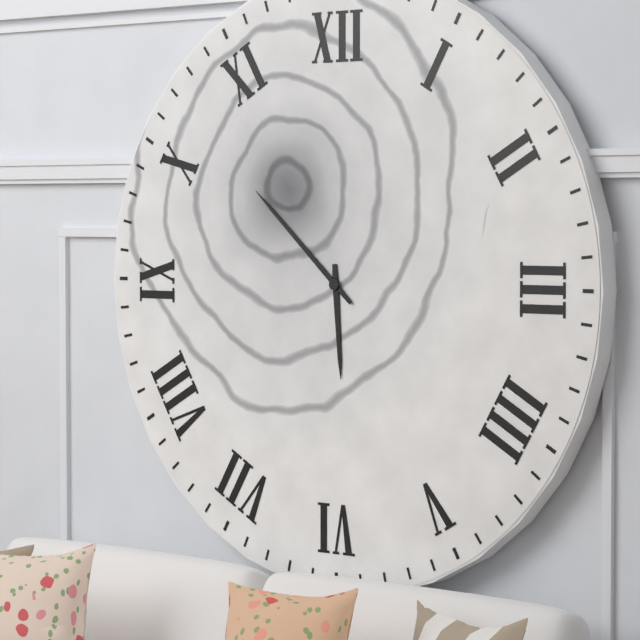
h=5 m=52
